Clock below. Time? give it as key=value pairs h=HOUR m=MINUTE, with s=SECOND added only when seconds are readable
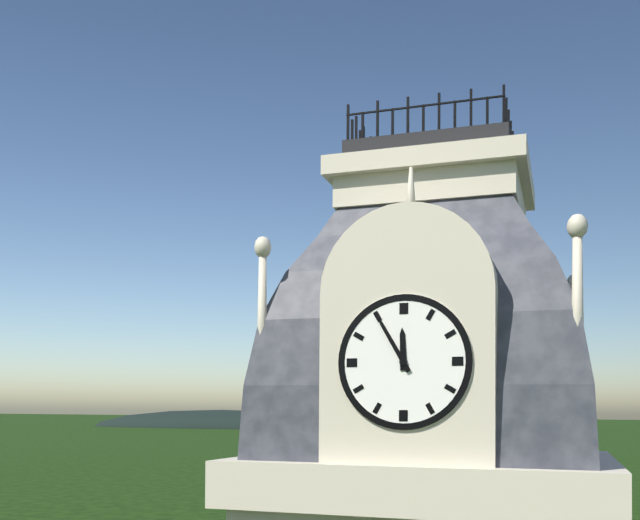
h=11 m=55
